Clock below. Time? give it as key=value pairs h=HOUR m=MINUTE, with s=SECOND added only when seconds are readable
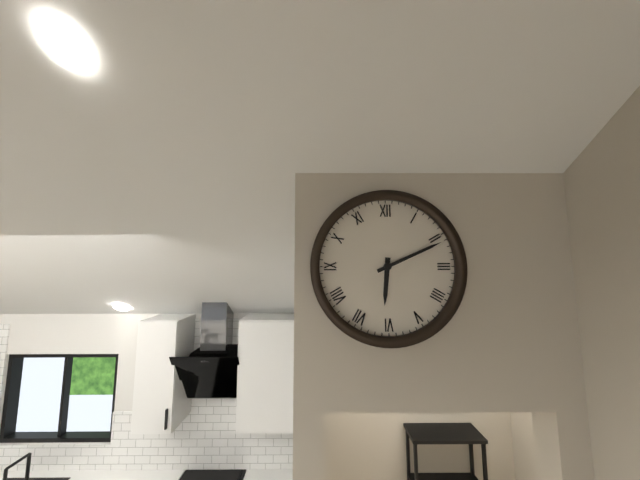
h=6 m=11
